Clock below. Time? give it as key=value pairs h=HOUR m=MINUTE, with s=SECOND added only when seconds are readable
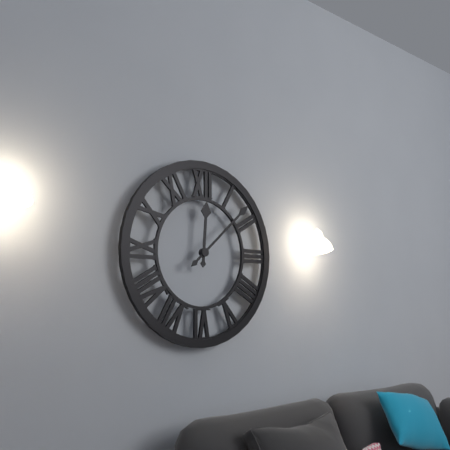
h=12 m=8
